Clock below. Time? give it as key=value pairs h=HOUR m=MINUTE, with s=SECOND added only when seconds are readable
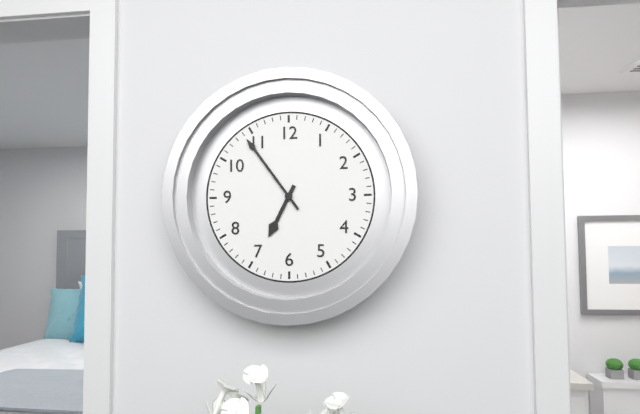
h=6 m=54
